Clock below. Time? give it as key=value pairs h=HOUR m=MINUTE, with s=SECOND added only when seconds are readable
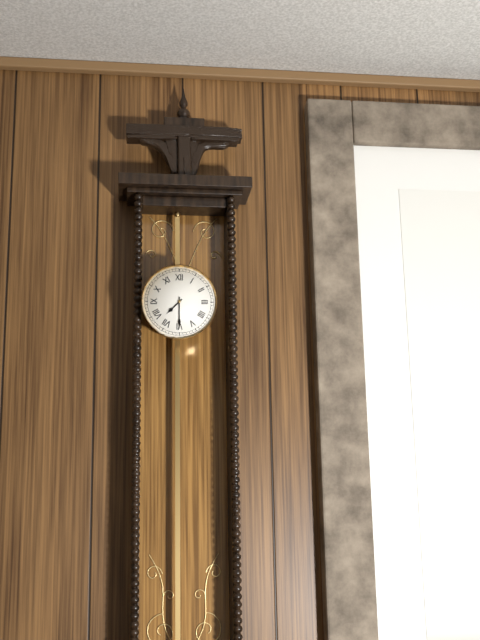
h=7 m=30
